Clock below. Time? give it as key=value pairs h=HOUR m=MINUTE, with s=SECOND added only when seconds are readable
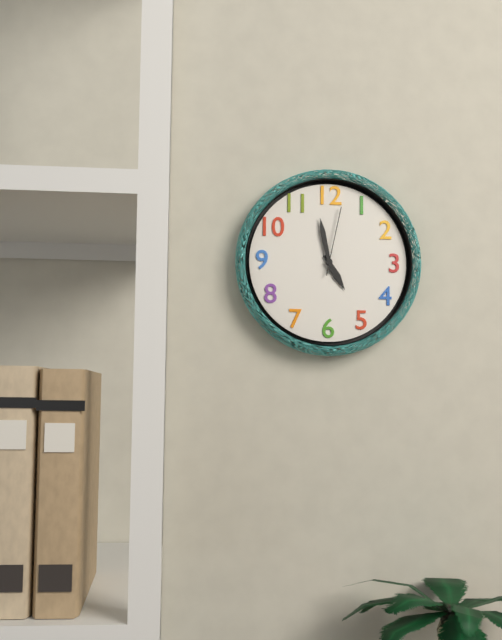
h=4 m=58 s=2
